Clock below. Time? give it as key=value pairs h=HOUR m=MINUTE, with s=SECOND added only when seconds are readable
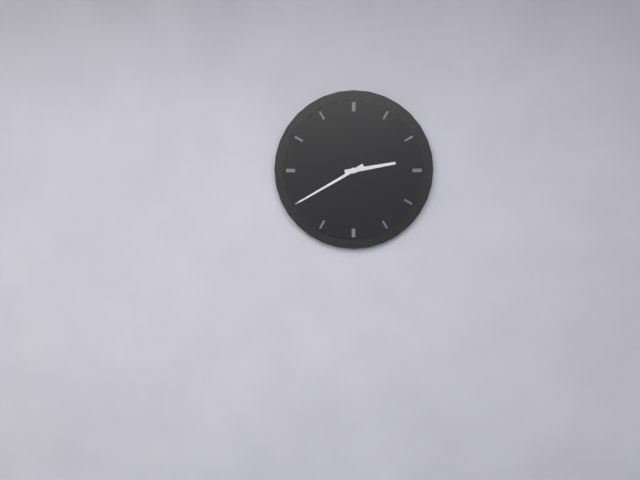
h=2 m=40
